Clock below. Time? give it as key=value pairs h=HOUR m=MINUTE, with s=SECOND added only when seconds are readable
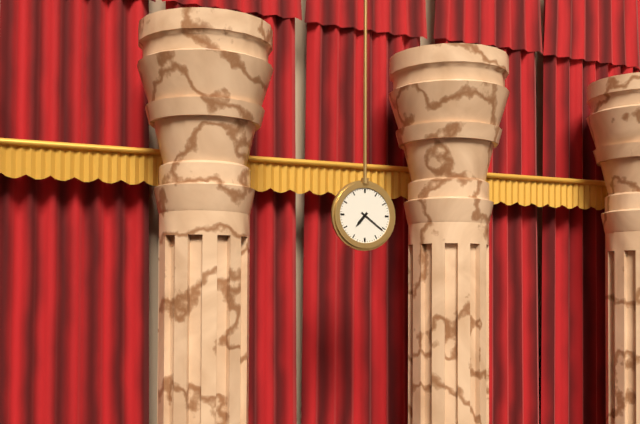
h=7 m=21
